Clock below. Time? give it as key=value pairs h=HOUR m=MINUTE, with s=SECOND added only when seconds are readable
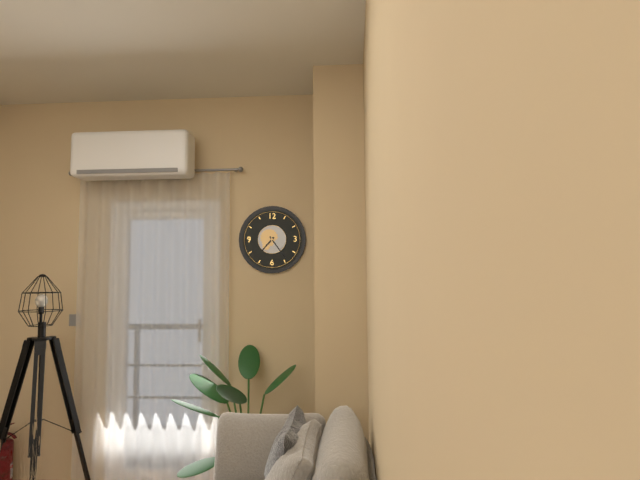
h=7 m=24
